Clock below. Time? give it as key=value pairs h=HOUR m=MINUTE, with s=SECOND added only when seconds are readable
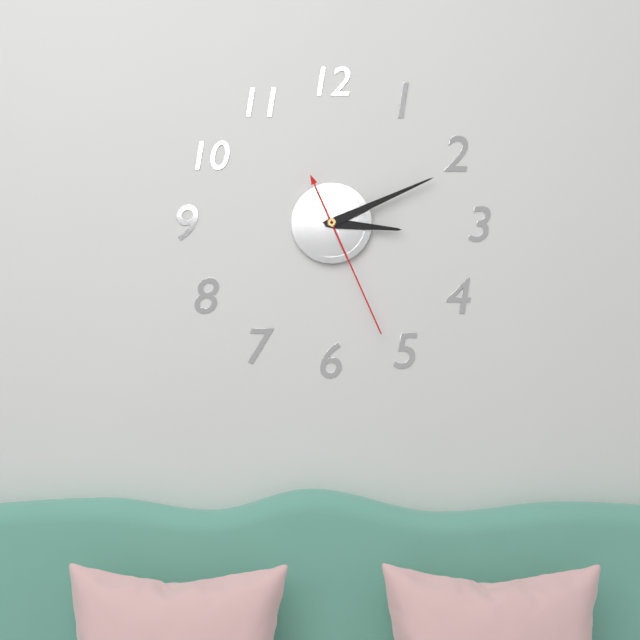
h=3 m=11 s=26
